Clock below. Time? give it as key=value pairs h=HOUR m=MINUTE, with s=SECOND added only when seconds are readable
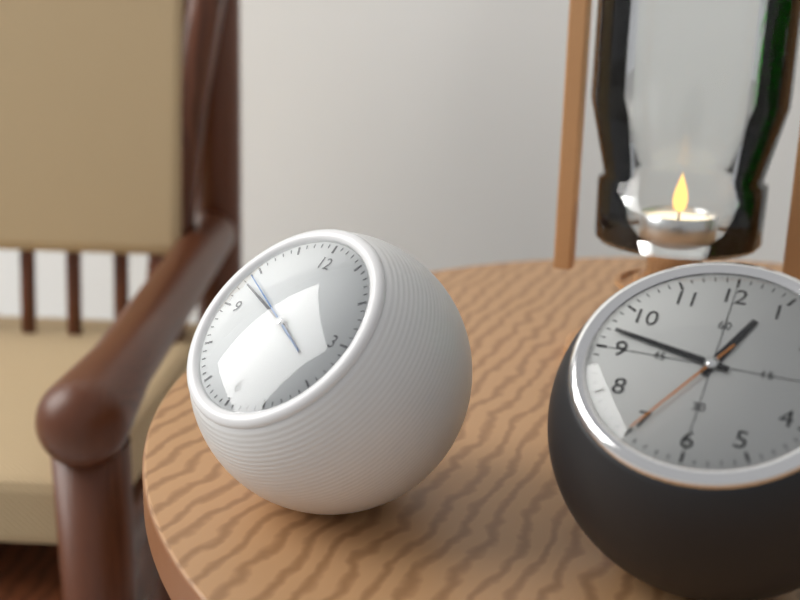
h=3 m=48 s=49
